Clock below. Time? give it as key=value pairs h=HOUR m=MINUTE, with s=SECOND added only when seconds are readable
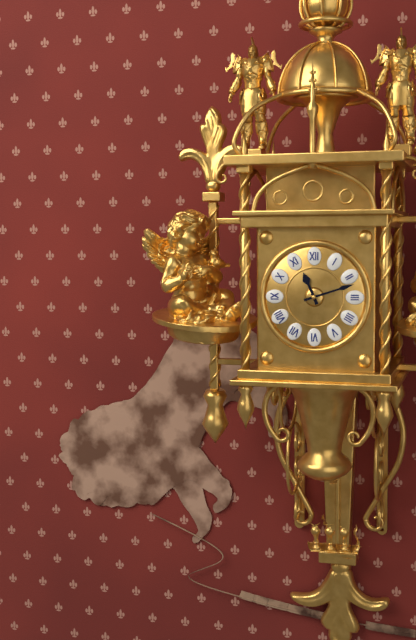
h=11 m=12
